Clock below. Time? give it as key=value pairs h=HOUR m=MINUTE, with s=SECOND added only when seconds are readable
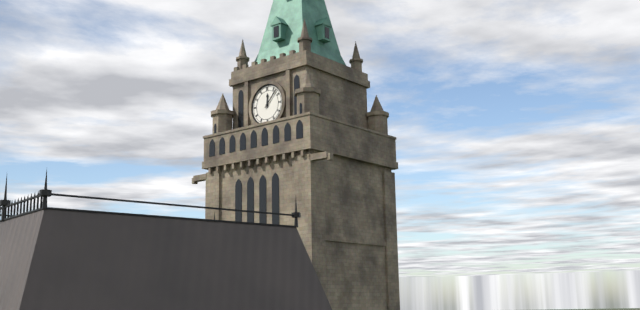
h=12 m=7
